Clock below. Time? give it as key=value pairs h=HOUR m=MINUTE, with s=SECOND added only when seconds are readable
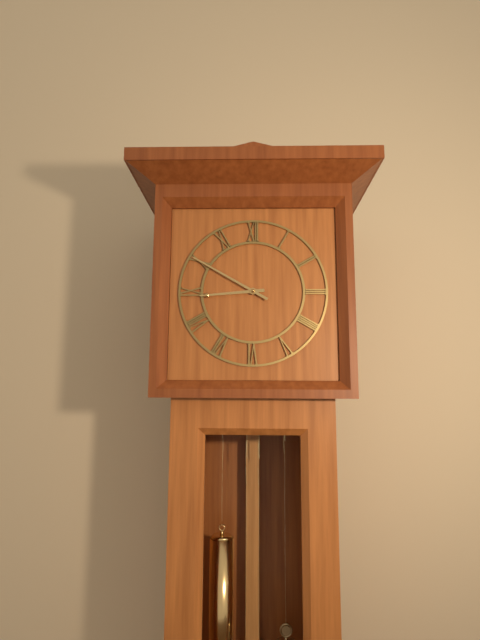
h=8 m=50
